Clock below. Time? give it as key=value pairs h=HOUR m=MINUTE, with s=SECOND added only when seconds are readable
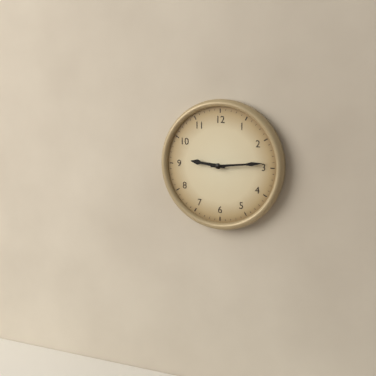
h=9 m=14
